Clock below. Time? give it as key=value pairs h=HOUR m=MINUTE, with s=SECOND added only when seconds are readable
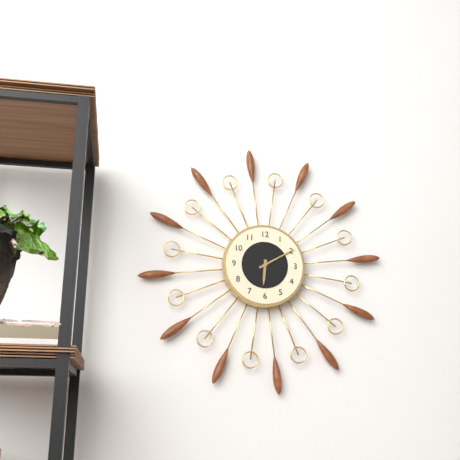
h=6 m=10
